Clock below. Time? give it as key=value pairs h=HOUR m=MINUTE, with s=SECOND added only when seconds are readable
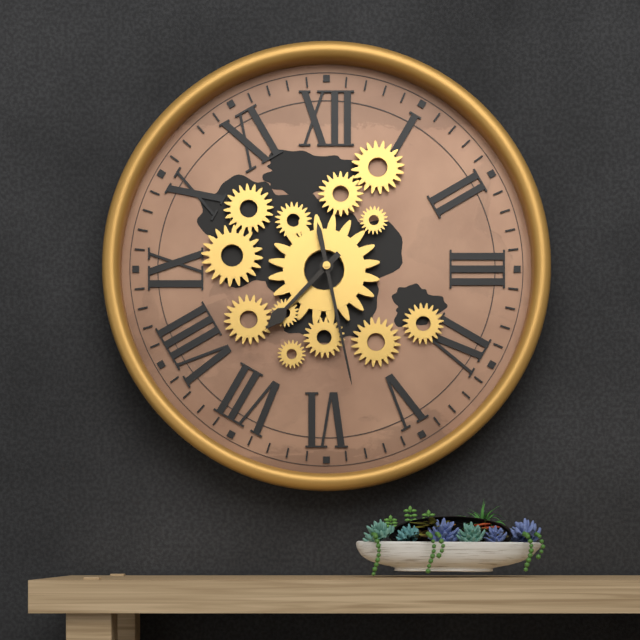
h=7 m=28
